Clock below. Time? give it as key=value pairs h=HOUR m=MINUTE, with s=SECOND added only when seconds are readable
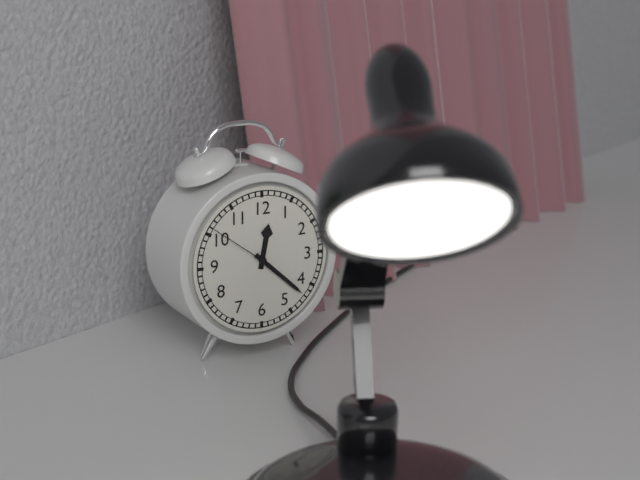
h=12 m=22 s=51
